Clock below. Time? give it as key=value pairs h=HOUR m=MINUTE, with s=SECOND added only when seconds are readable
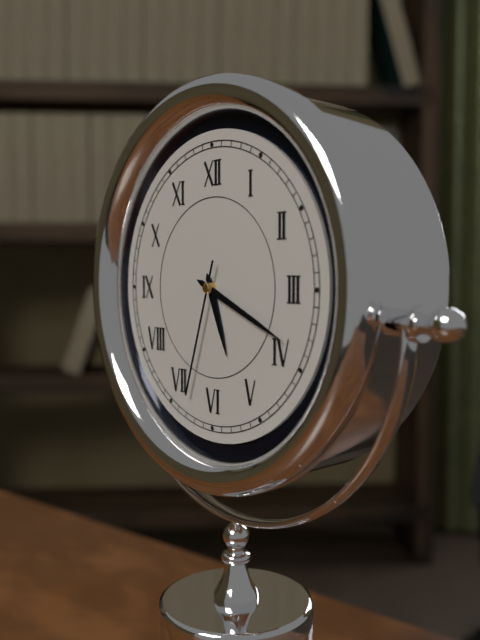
h=5 m=19 s=33
